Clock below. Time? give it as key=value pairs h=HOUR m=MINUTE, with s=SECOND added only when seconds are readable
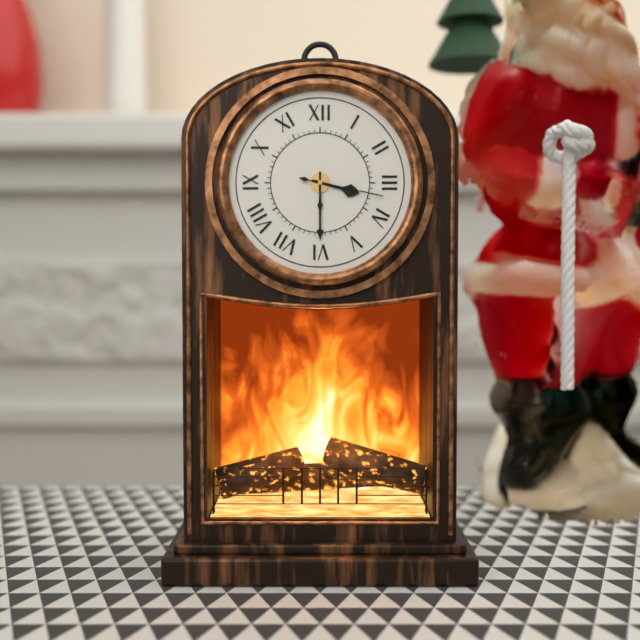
h=3 m=30 s=17
